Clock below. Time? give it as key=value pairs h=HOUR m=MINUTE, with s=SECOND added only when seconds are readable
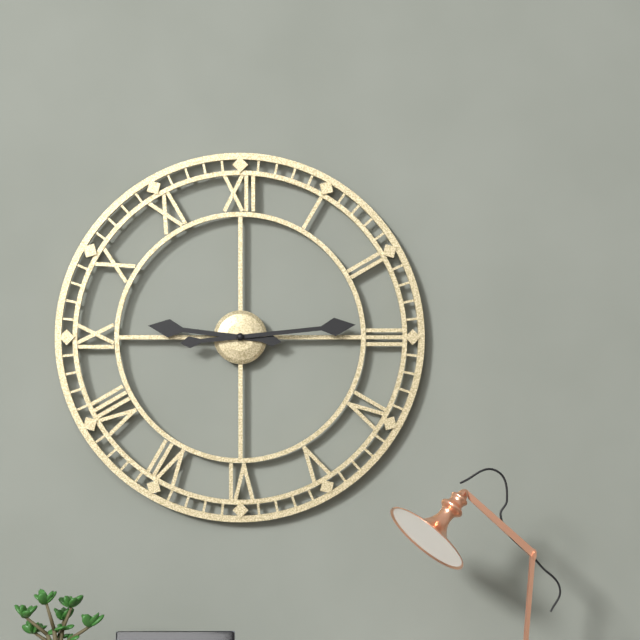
h=9 m=14
